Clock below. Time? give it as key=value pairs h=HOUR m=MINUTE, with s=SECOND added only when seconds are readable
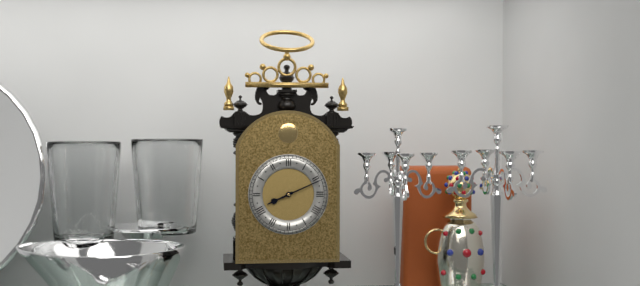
h=8 m=11
